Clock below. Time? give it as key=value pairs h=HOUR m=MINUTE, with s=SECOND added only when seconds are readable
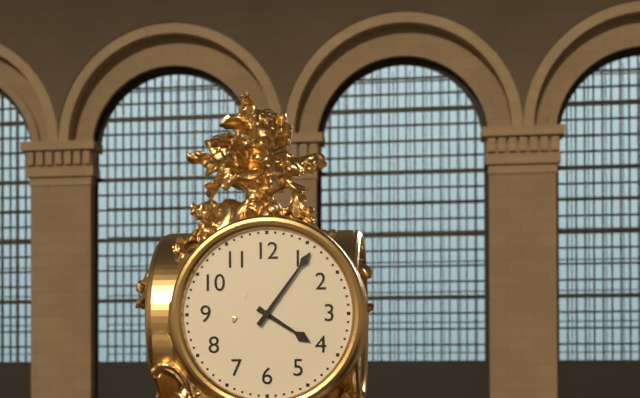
h=4 m=6
